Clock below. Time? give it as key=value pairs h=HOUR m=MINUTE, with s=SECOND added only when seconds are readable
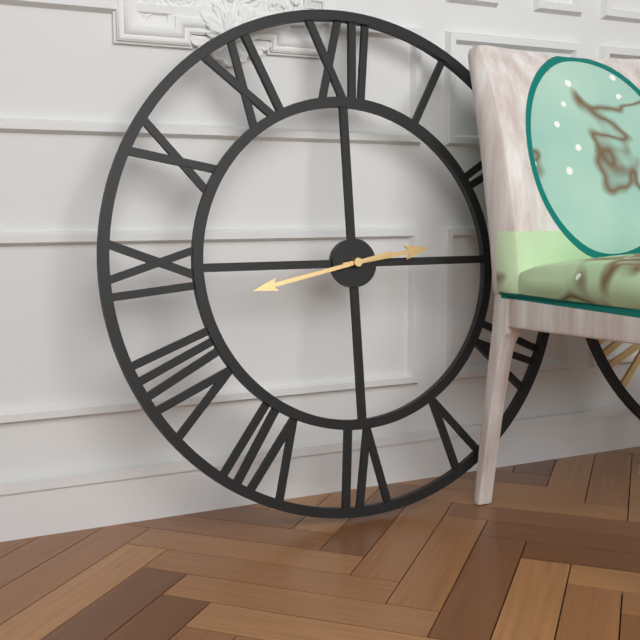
h=2 m=43
